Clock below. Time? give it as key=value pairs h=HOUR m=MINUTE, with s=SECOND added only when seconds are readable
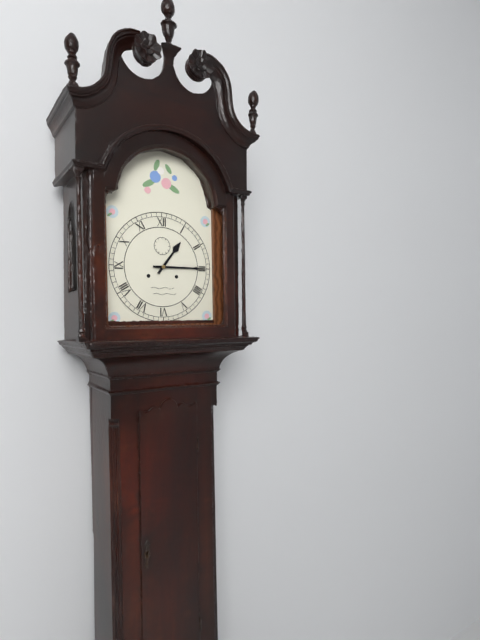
h=1 m=15
